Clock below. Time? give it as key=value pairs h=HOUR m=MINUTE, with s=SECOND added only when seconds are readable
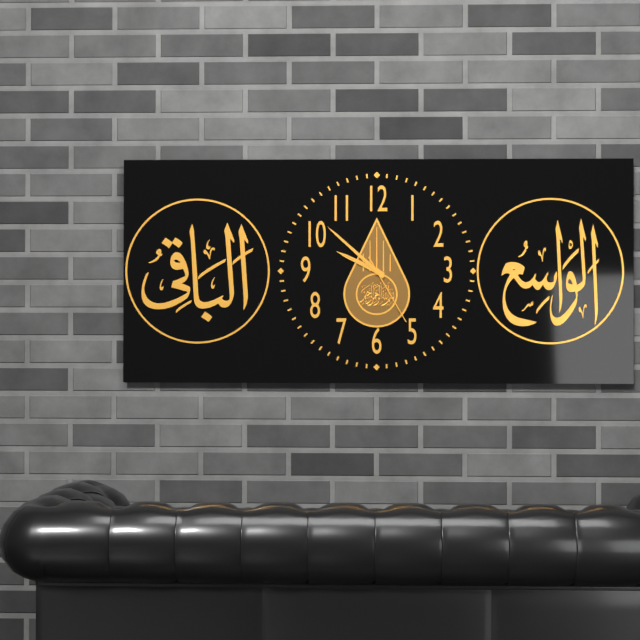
h=9 m=52 s=25
